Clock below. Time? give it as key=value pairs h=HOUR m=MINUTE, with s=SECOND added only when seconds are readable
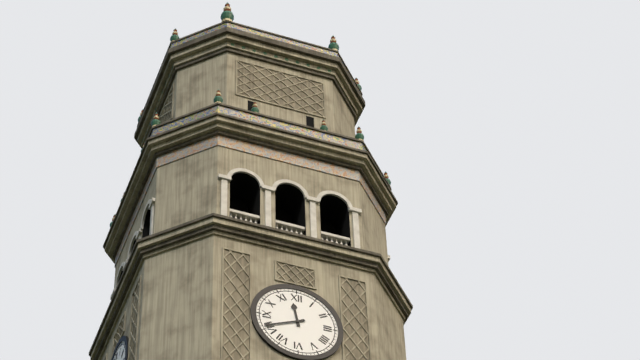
h=11 m=41
